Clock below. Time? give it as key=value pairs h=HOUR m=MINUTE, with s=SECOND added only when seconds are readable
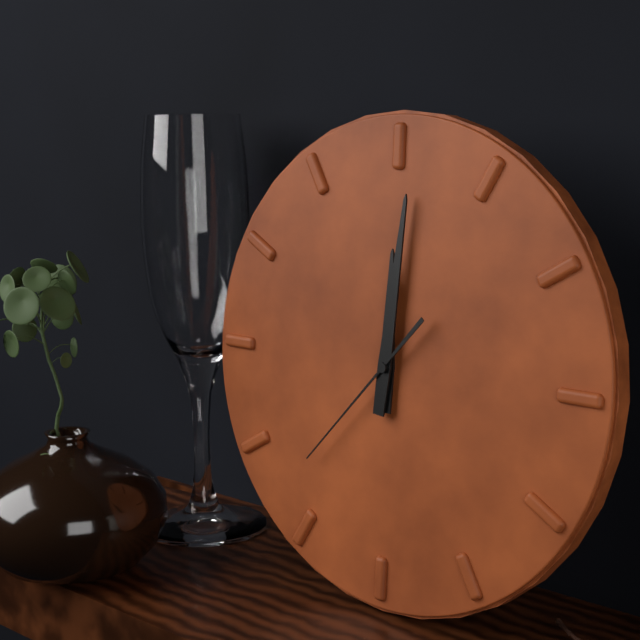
h=12 m=1 s=37
